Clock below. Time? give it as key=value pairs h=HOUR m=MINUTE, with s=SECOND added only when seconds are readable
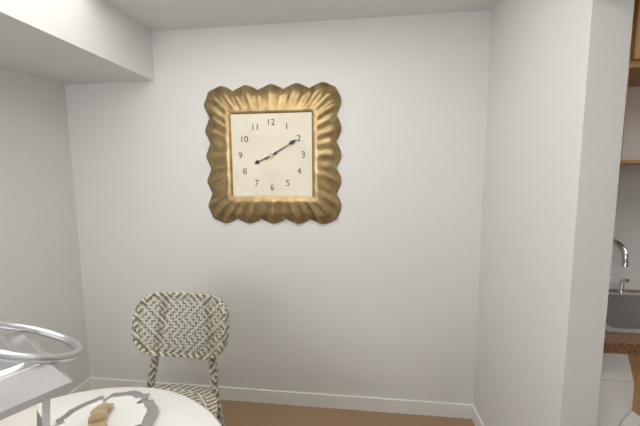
h=8 m=10
